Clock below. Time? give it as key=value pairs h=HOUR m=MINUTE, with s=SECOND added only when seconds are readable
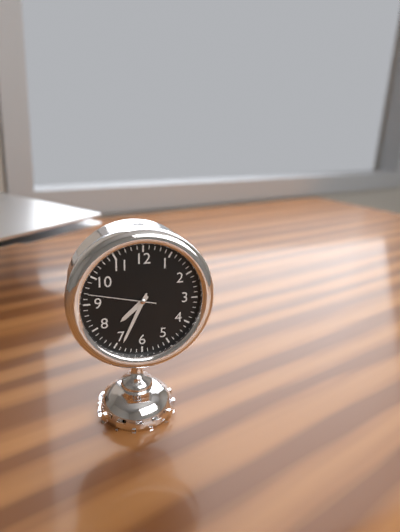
h=7 m=34 s=47
